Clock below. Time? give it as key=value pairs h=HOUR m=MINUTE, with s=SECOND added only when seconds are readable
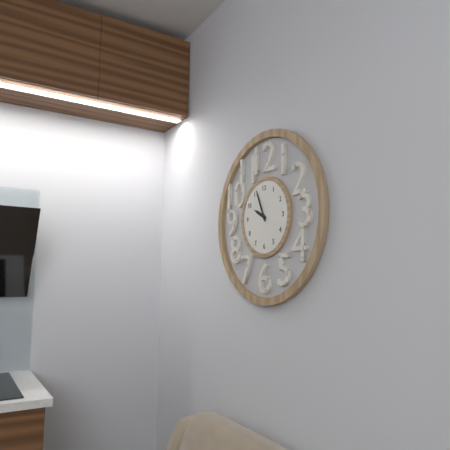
h=9 m=56
